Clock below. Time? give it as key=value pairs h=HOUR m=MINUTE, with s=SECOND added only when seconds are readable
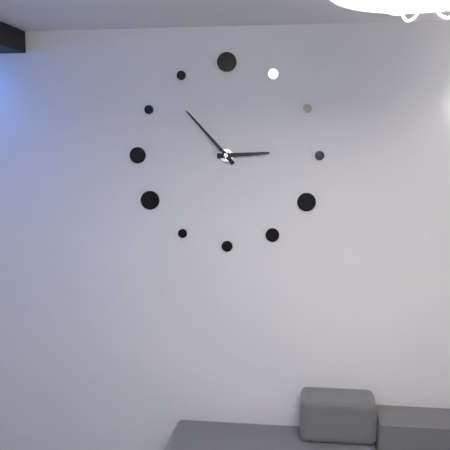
h=2 m=53
